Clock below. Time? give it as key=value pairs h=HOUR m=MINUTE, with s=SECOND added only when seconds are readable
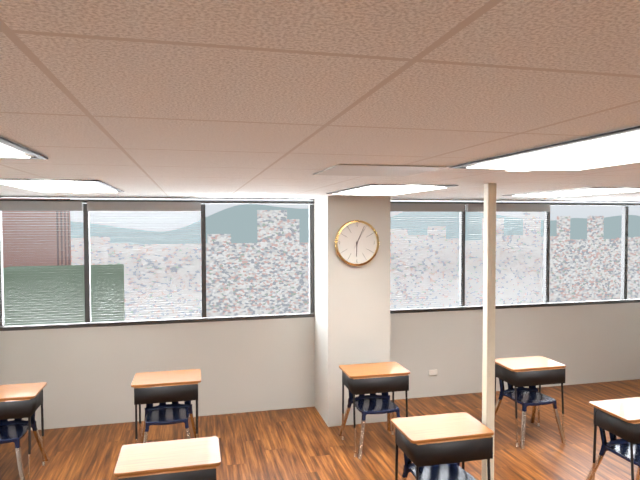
h=6 m=4
